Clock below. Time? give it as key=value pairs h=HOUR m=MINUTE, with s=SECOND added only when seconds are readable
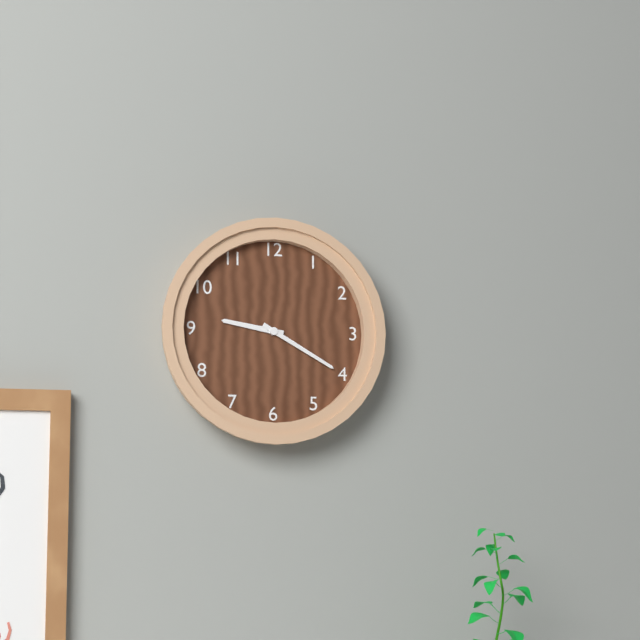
h=9 m=20
